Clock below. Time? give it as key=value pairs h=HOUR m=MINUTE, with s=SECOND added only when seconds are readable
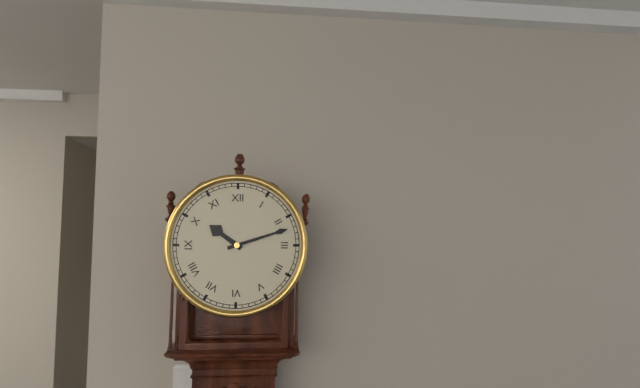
h=10 m=12
